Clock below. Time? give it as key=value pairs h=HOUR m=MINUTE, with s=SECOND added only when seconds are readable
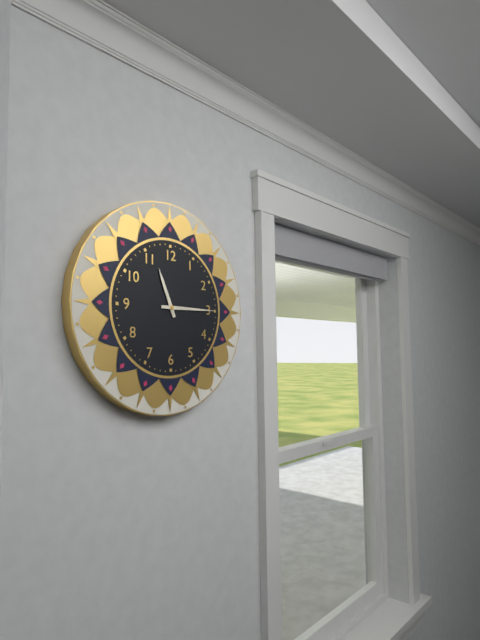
h=11 m=15
